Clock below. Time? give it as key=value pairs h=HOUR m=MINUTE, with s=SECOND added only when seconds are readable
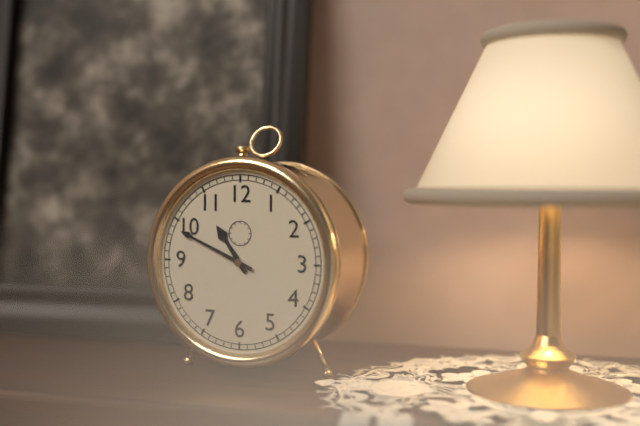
h=10 m=49
